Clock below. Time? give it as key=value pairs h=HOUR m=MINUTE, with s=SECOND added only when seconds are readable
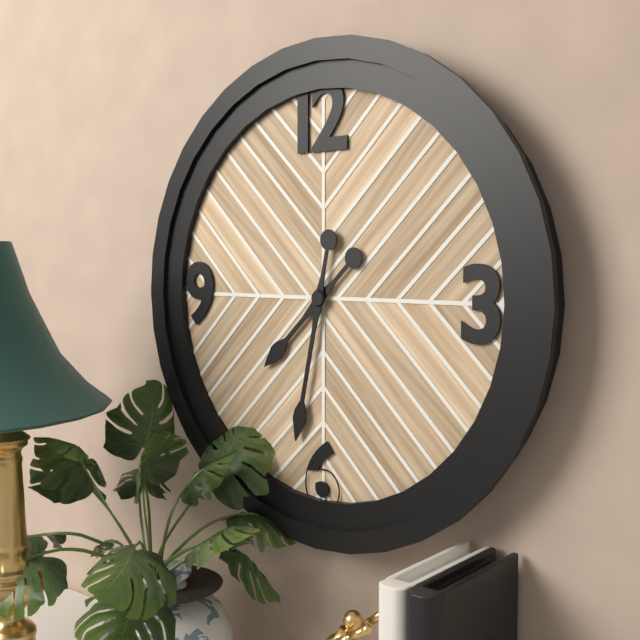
h=7 m=32
